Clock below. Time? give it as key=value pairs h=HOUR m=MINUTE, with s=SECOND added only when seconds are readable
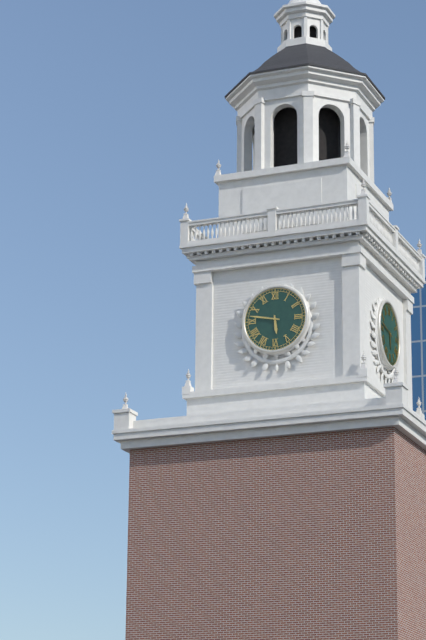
h=5 m=47
